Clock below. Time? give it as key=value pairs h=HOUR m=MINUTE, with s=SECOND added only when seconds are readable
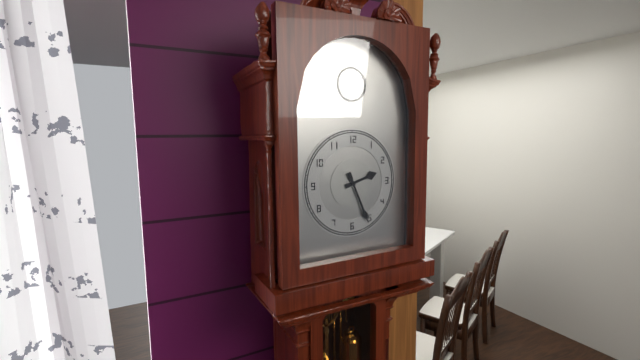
h=2 m=26
